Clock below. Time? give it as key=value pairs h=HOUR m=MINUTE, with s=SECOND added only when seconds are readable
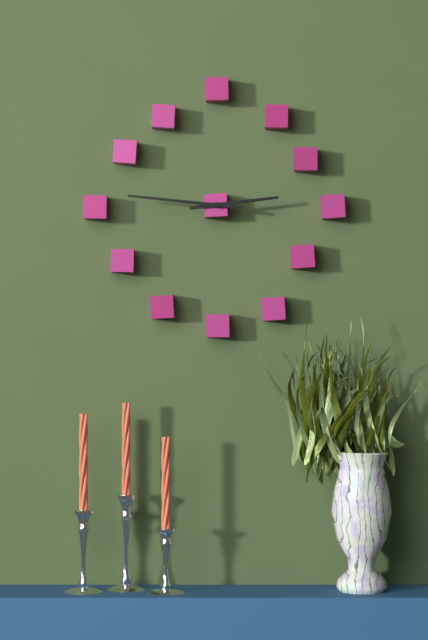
h=2 m=46
